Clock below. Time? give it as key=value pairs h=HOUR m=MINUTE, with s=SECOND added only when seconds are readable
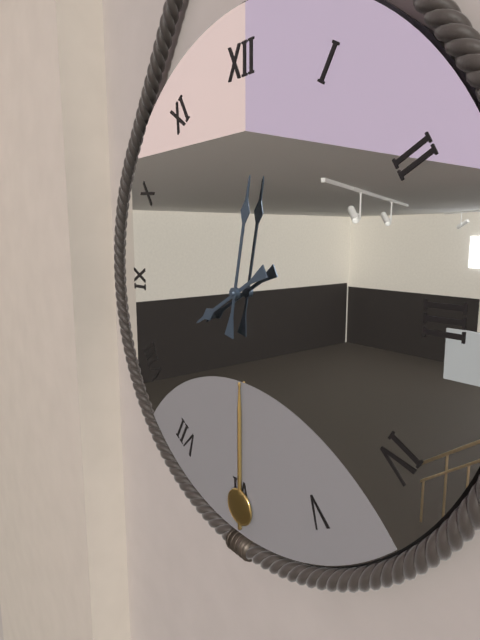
h=8 m=2
